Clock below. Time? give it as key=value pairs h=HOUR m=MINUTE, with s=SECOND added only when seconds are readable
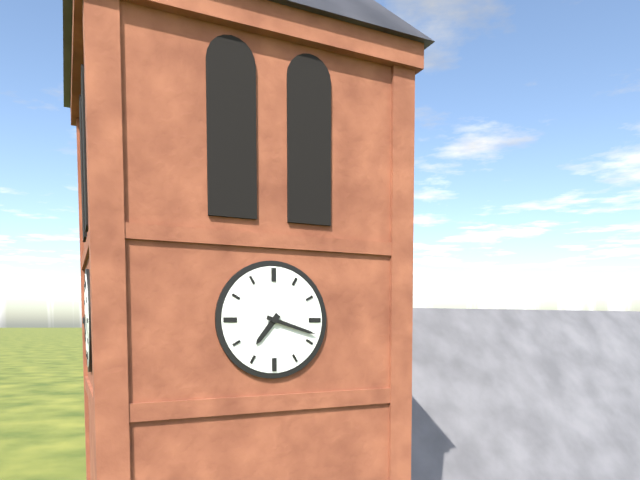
h=7 m=18
